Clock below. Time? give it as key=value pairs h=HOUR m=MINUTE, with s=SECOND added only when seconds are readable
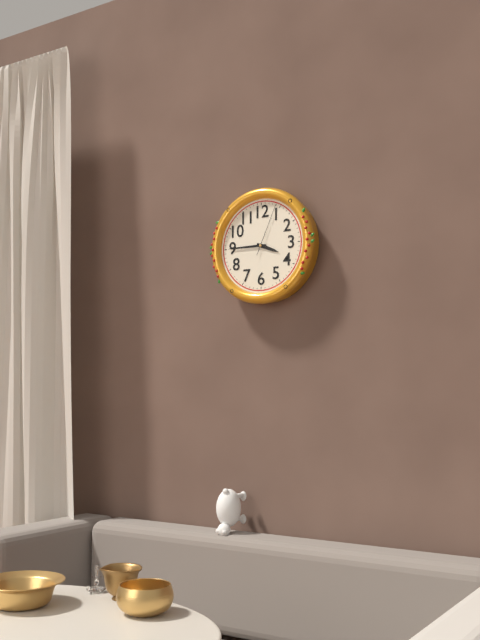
h=3 m=45 s=4
